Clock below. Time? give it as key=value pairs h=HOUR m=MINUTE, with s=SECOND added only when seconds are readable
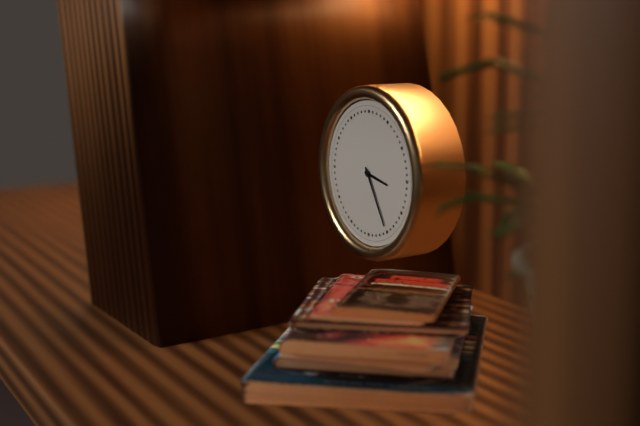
h=3 m=25
